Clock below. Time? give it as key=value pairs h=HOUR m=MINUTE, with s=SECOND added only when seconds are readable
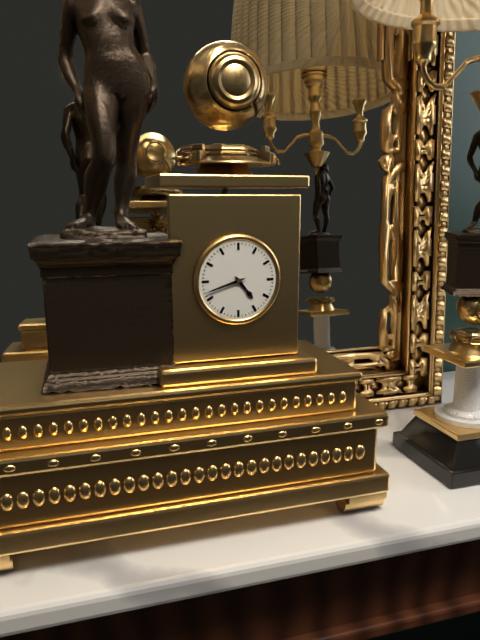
h=4 m=42
